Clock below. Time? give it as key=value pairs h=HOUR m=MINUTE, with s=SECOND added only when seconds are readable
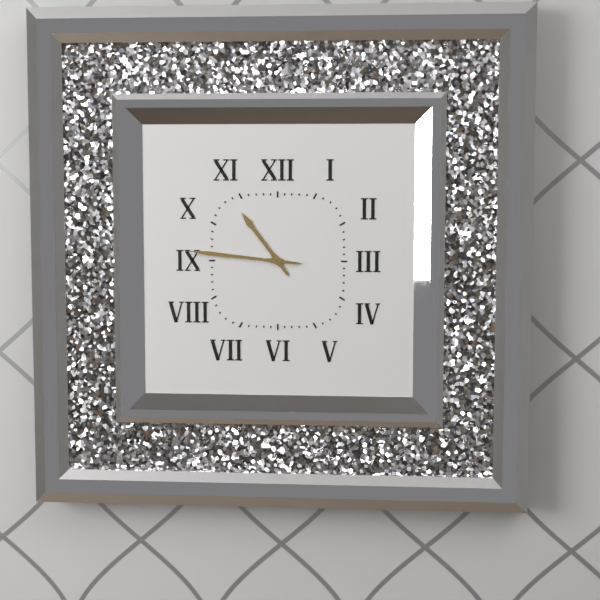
h=10 m=46
